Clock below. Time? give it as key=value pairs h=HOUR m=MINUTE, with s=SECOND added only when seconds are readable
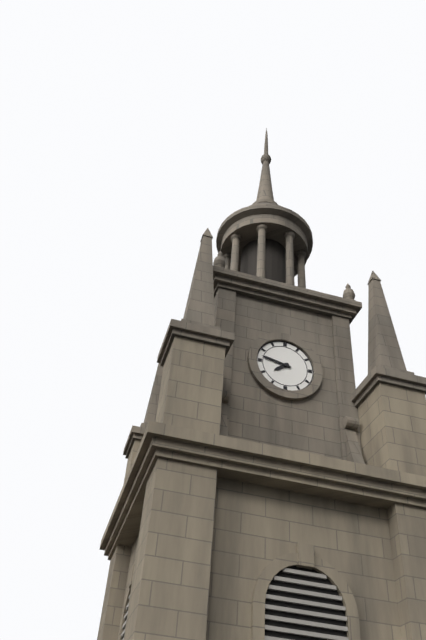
h=7 m=47
